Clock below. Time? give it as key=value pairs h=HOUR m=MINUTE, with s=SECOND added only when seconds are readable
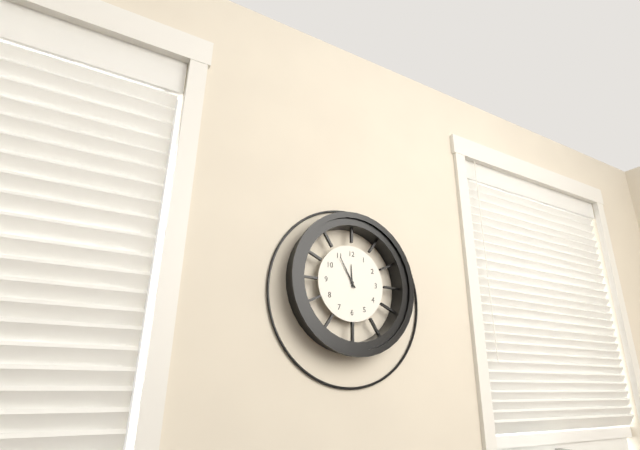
h=11 m=55
